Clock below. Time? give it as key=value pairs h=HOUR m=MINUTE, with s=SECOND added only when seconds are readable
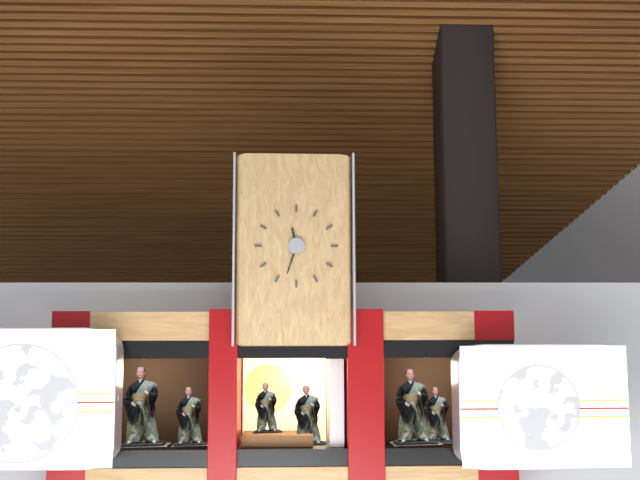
h=11 m=33
